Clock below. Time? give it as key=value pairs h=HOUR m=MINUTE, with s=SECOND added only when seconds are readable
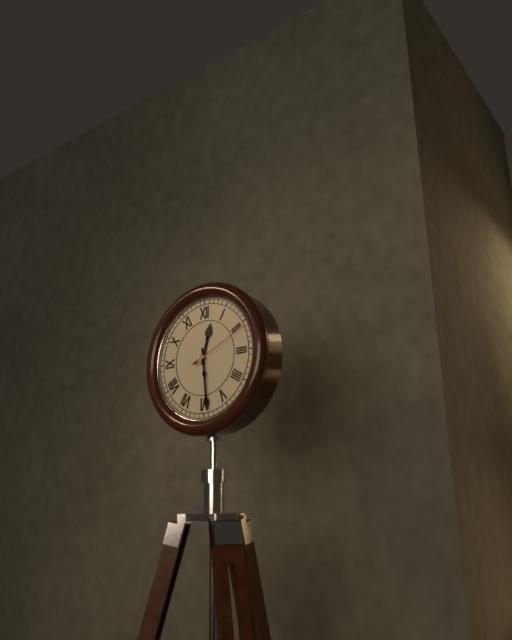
h=12 m=29 s=11
